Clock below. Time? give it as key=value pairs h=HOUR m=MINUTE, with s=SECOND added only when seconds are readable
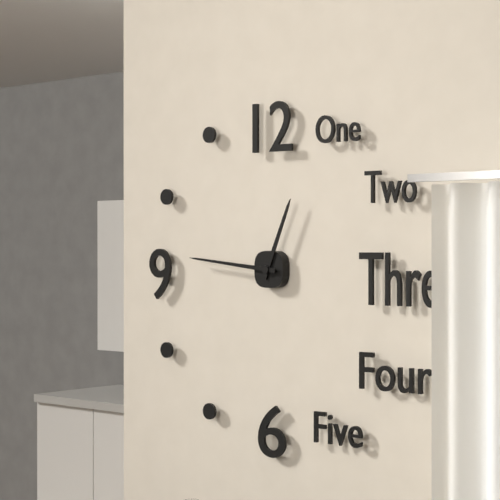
h=12 m=46
